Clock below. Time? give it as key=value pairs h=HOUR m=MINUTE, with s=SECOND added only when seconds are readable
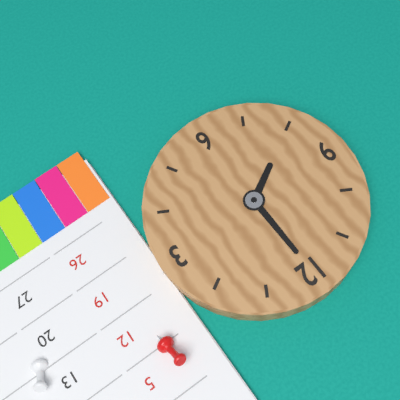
h=8 m=0
